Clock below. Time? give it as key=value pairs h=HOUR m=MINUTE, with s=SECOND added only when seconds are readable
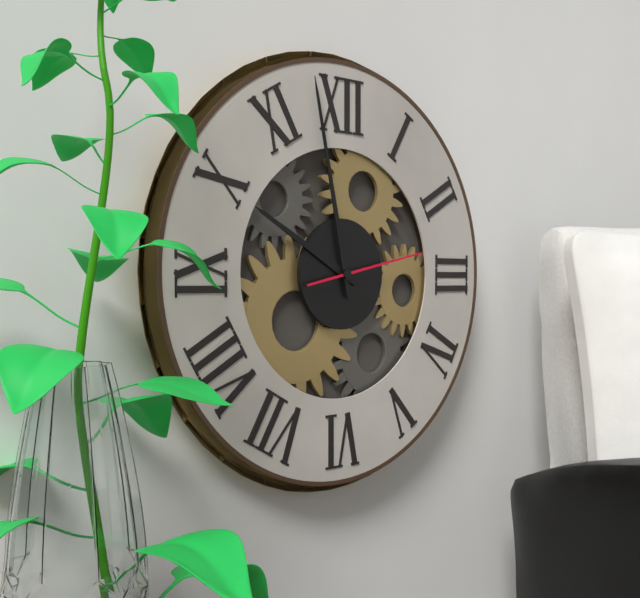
h=9 m=58 s=13
